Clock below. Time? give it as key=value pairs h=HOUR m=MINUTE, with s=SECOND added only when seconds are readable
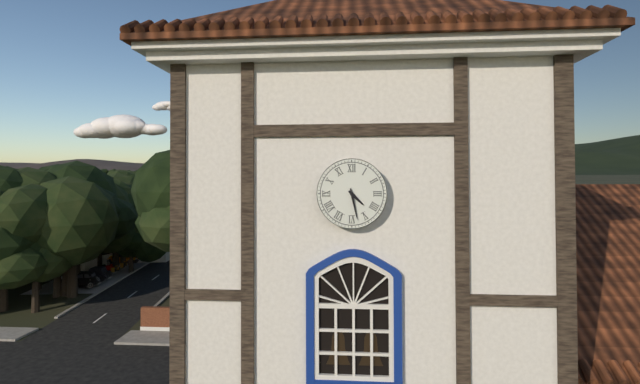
h=4 m=28
